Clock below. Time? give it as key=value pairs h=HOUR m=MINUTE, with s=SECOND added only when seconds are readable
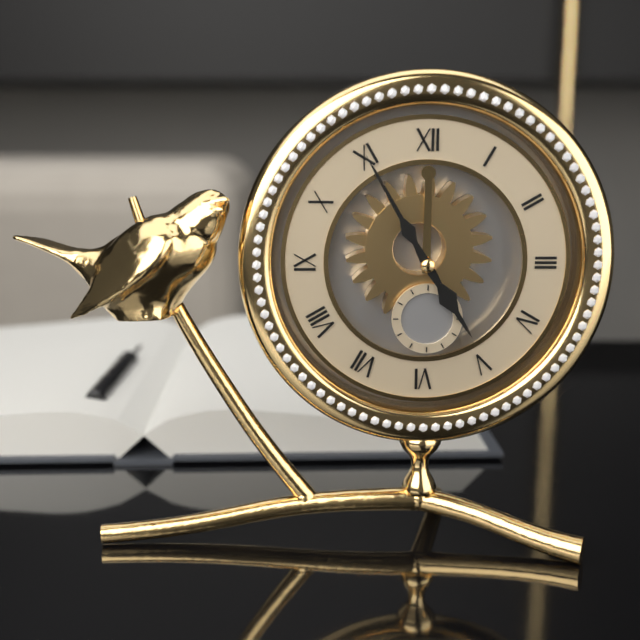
h=4 m=55
